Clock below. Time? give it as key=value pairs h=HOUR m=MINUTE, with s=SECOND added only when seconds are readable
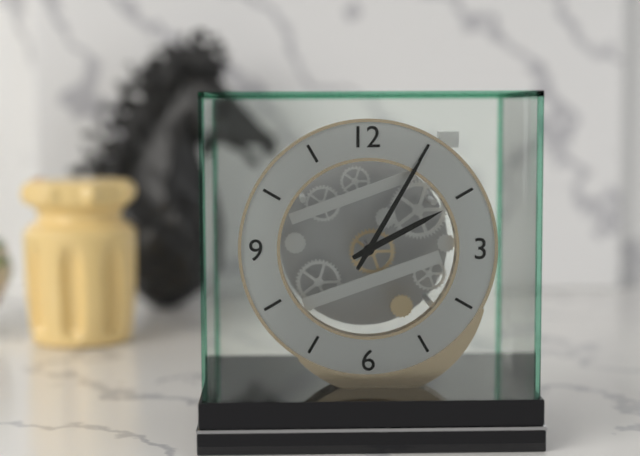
h=2 m=5
